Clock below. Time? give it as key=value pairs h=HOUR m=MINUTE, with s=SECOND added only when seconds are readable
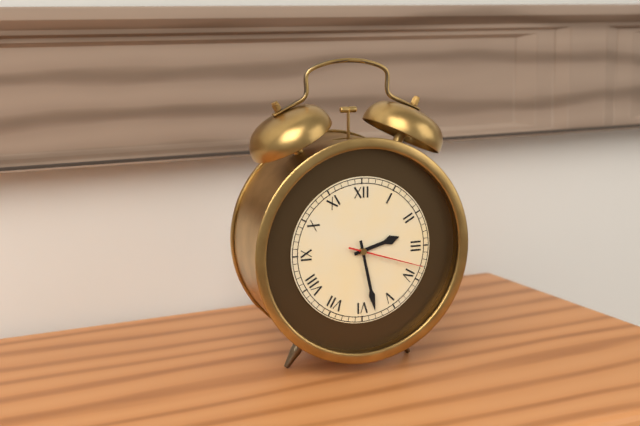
h=2 m=28 s=18
